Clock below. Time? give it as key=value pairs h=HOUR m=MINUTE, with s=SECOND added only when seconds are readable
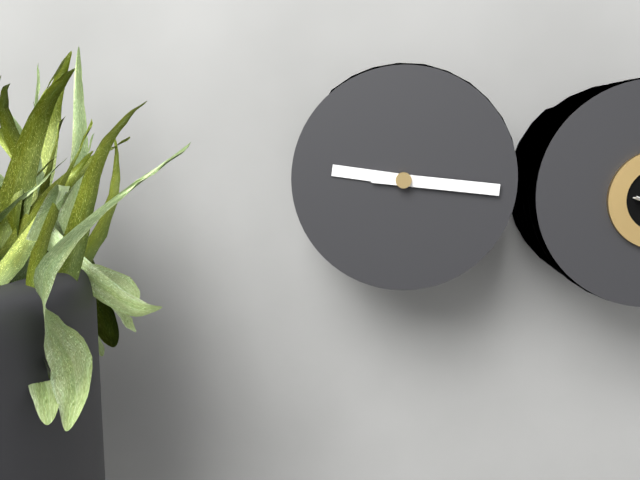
h=9 m=16
